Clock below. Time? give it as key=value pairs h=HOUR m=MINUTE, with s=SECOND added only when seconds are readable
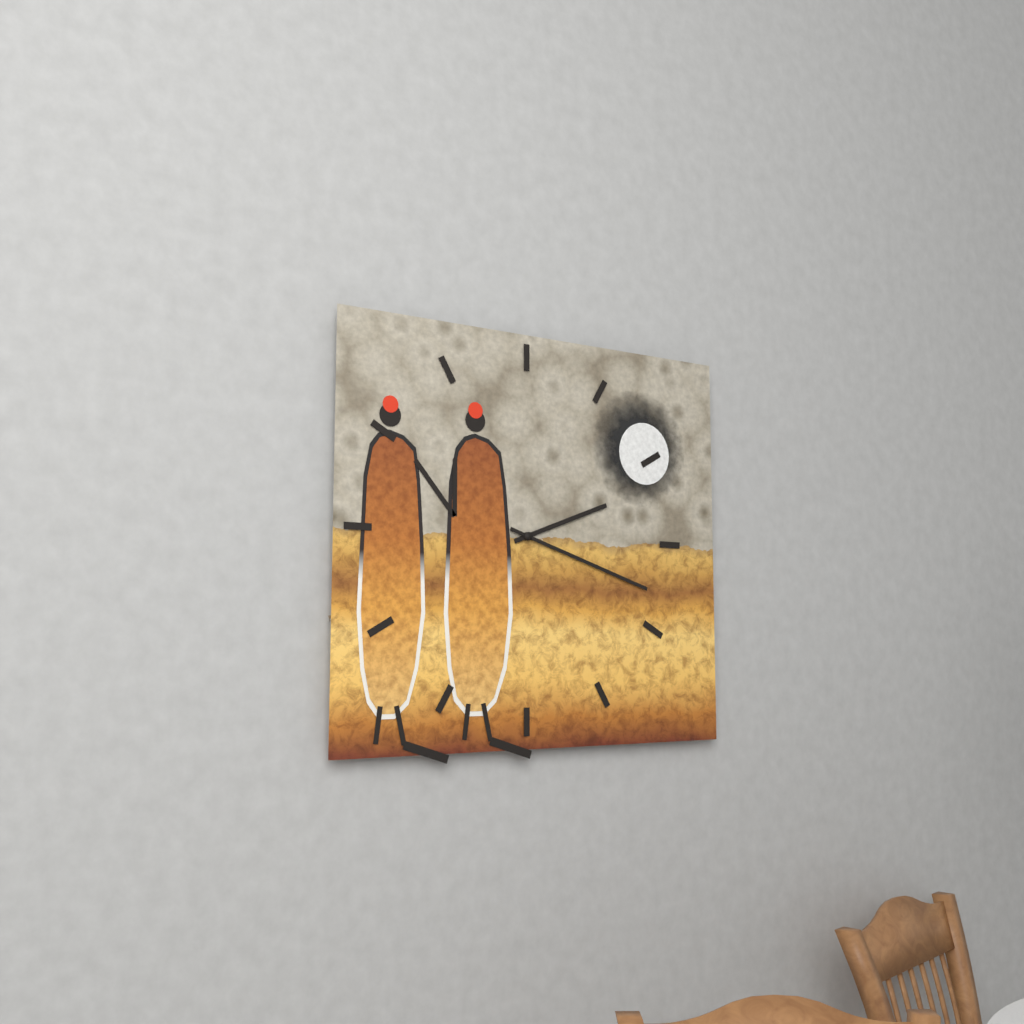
h=2 m=18
